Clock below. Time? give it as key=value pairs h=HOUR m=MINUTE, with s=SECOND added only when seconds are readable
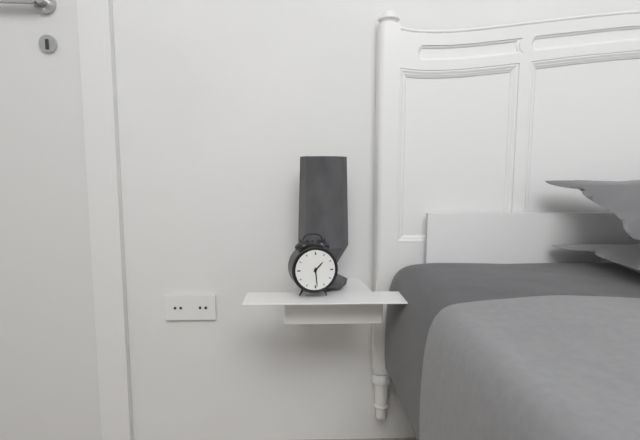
h=1 m=29
